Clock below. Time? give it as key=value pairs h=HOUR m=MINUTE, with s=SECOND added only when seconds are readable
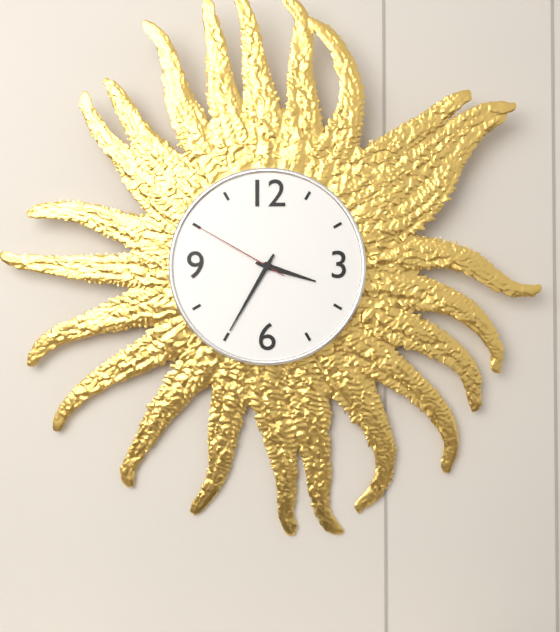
h=3 m=35 s=50
